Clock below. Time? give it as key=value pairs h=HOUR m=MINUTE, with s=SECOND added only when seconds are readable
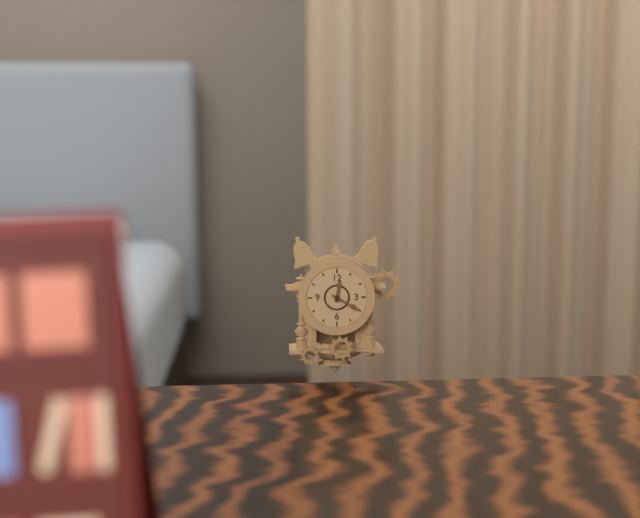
h=12 m=20
